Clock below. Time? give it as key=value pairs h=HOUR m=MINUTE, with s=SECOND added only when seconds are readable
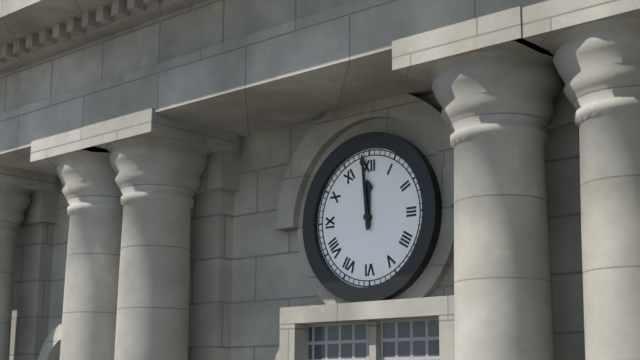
h=11 m=59
